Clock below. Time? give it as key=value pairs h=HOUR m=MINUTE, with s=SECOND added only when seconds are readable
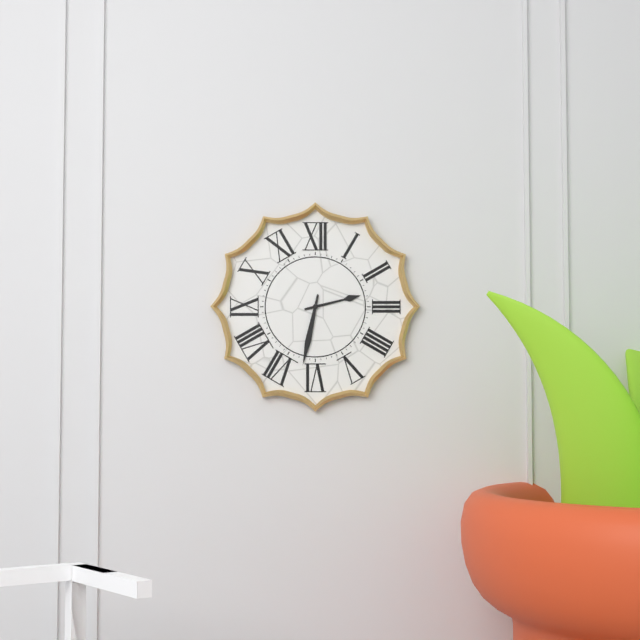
h=2 m=32
